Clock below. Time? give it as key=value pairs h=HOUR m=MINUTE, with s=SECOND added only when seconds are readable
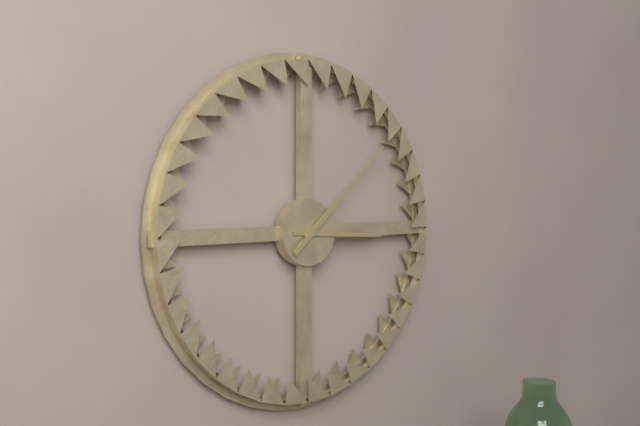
h=3 m=8
